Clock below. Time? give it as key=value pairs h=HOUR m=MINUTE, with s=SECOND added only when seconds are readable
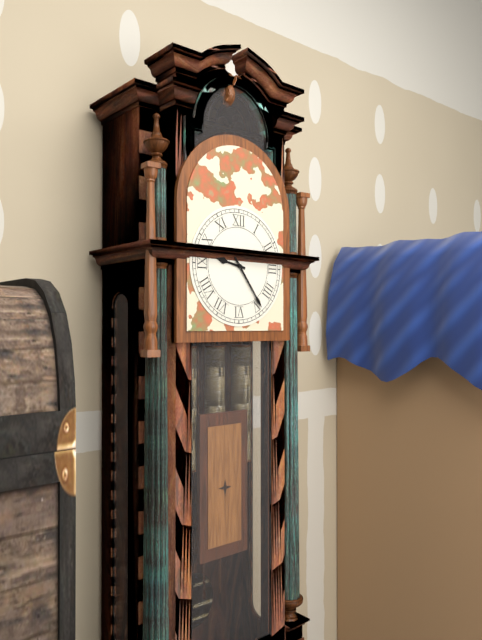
h=9 m=24
